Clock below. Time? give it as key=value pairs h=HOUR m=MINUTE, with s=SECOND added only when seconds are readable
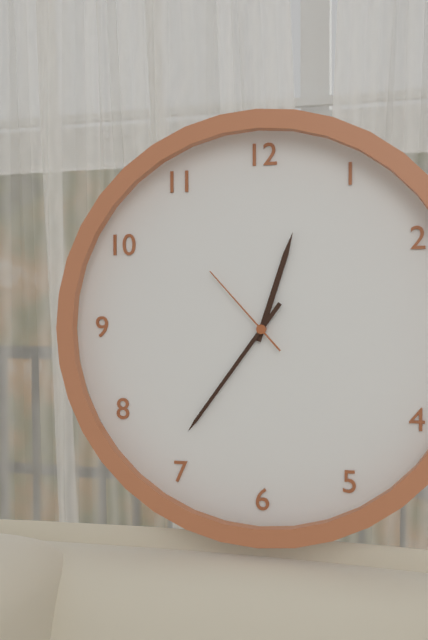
h=12 m=36 s=53
